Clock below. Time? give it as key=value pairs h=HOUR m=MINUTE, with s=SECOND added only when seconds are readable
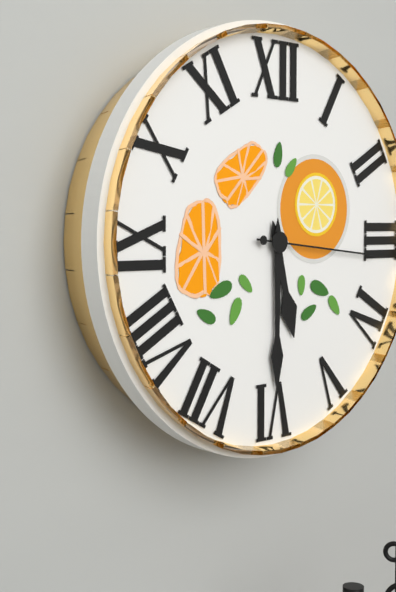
h=5 m=30 s=16
